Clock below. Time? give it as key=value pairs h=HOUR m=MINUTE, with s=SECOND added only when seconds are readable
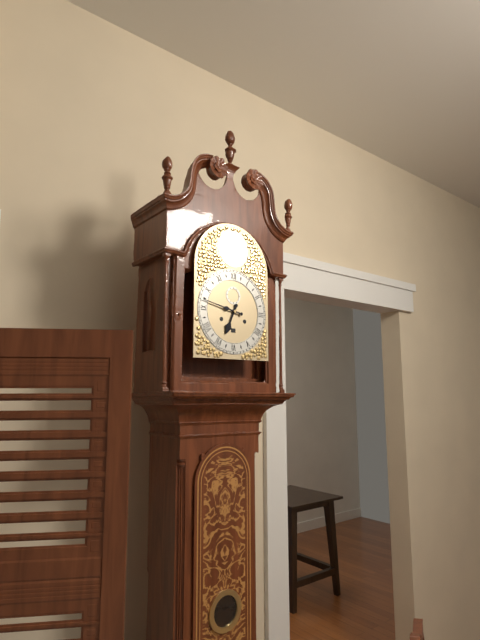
h=6 m=47
